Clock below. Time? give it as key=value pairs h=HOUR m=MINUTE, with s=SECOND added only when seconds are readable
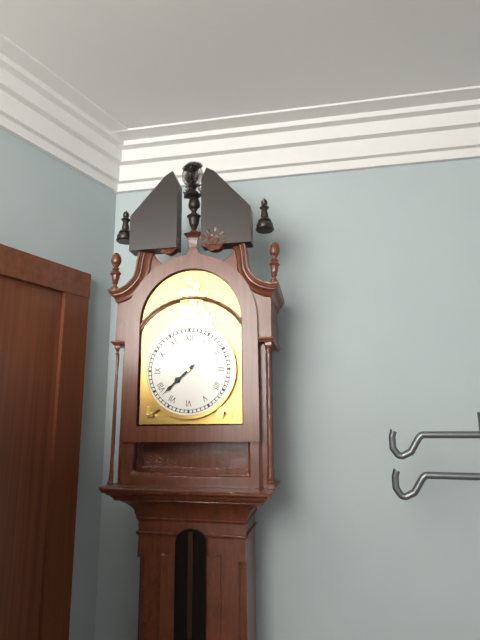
h=7 m=38
